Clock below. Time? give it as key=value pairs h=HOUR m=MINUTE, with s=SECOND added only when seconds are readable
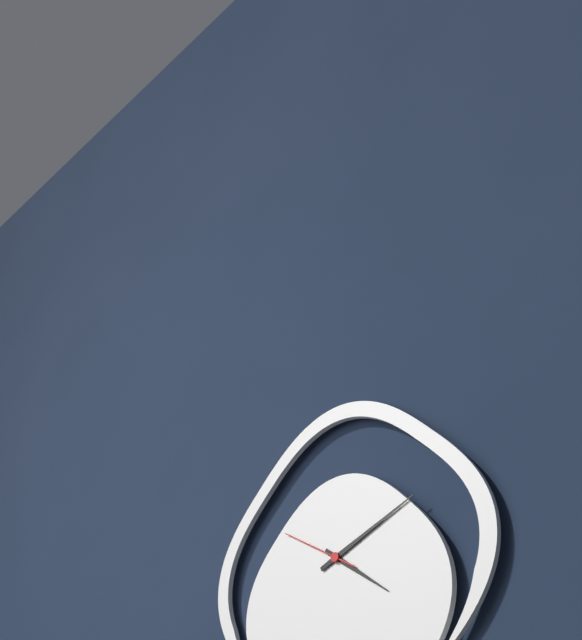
h=4 m=11 s=50
